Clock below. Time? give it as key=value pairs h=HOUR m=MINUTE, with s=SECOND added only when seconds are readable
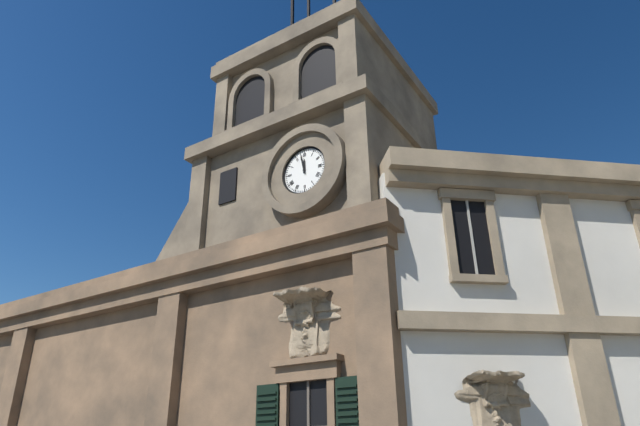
h=11 m=58
